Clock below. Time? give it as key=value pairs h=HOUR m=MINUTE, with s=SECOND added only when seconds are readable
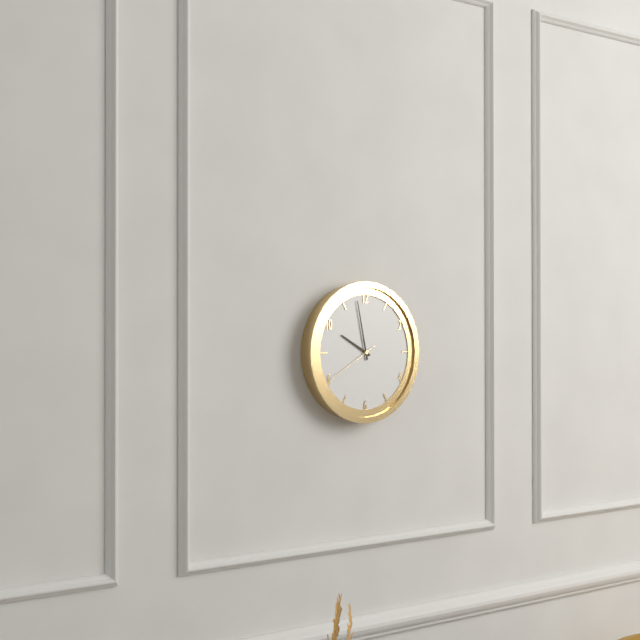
h=9 m=58 s=40
